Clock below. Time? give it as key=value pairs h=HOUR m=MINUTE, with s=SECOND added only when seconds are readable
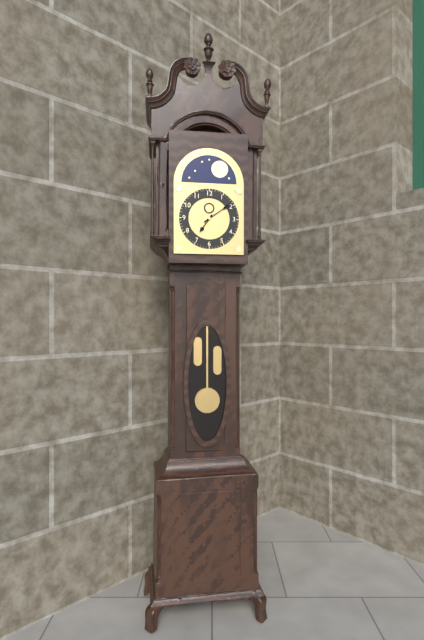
h=7 m=9
